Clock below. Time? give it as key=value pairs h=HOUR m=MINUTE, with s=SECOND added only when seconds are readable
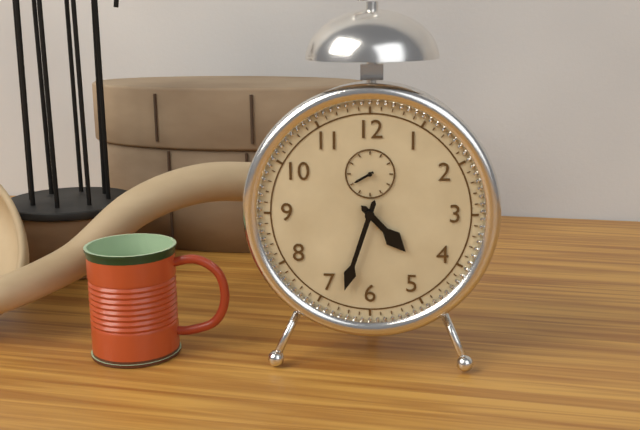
h=4 m=33
